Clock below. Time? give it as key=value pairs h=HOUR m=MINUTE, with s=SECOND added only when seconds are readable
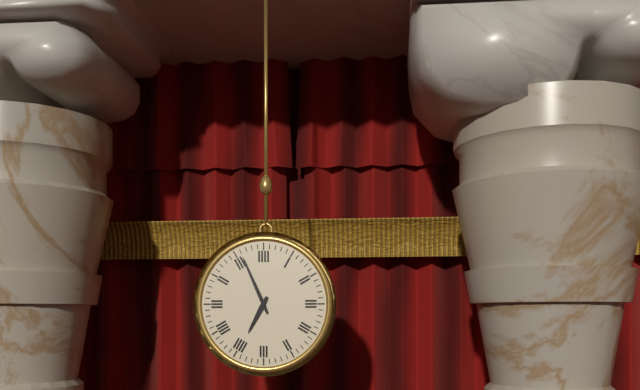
h=6 m=56
